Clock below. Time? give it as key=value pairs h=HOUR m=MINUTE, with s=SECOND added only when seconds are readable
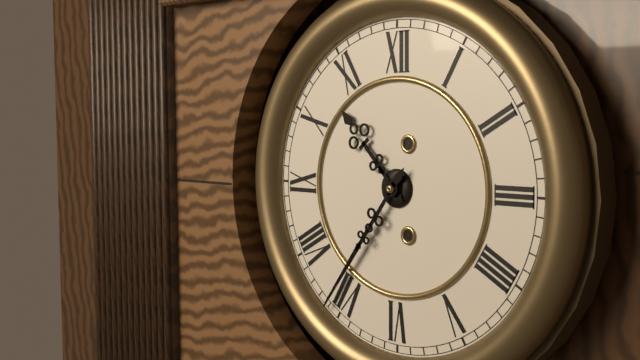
h=10 m=36
